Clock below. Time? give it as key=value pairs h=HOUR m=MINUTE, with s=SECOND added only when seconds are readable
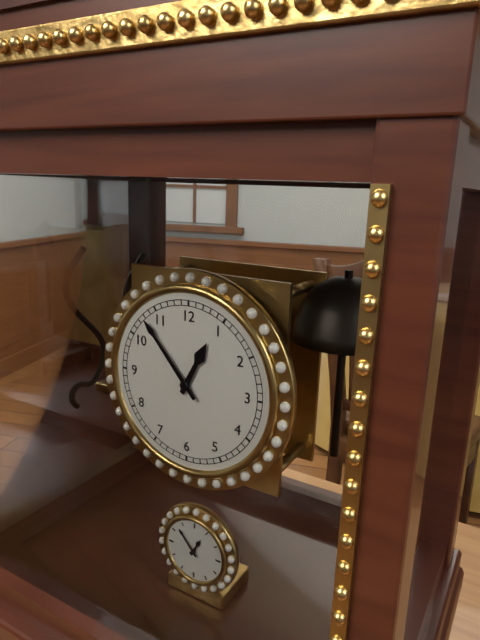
h=12 m=53
